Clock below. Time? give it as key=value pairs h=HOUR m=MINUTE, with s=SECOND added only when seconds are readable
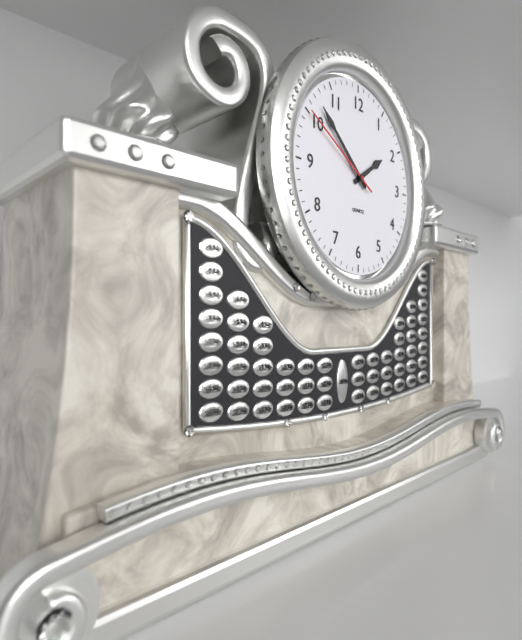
h=1 m=52 s=50
